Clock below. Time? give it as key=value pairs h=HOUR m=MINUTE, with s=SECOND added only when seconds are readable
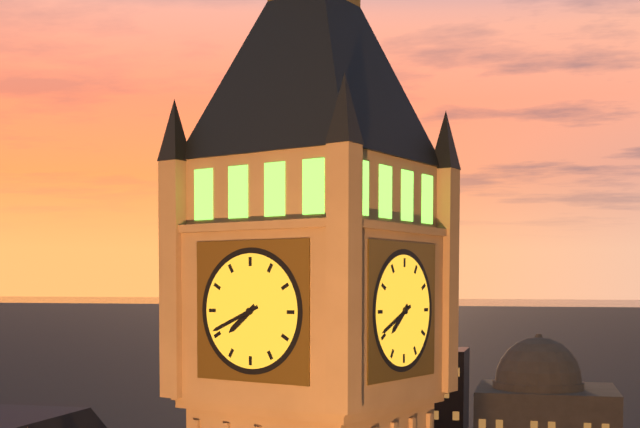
h=7 m=41
